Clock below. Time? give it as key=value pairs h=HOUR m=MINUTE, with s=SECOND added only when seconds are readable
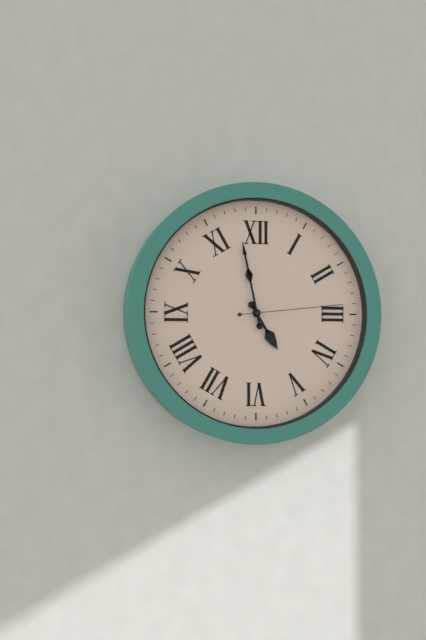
h=4 m=58 s=14
